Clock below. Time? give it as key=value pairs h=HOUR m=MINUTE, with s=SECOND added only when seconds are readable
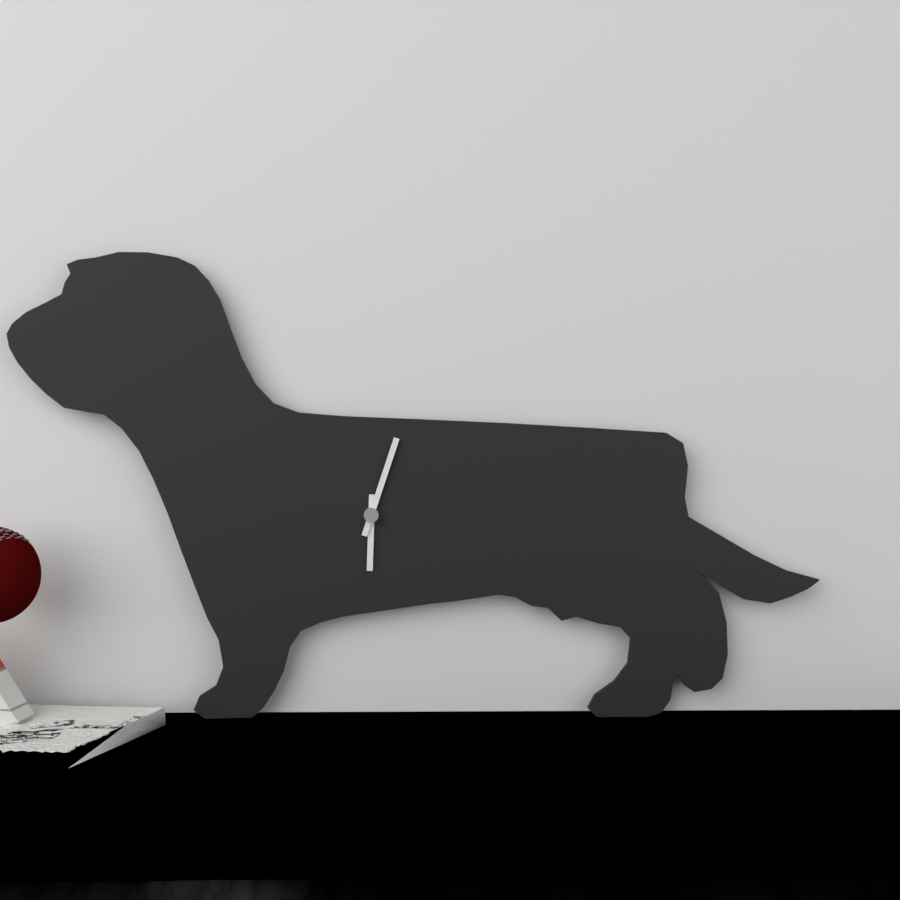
h=6 m=3
